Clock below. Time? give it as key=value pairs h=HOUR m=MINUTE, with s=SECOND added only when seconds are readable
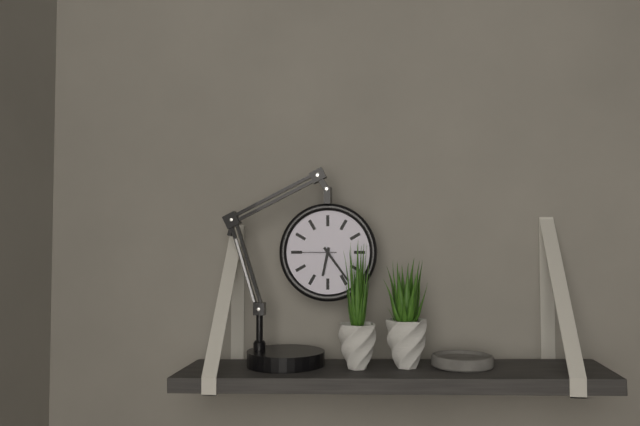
h=6 m=24
